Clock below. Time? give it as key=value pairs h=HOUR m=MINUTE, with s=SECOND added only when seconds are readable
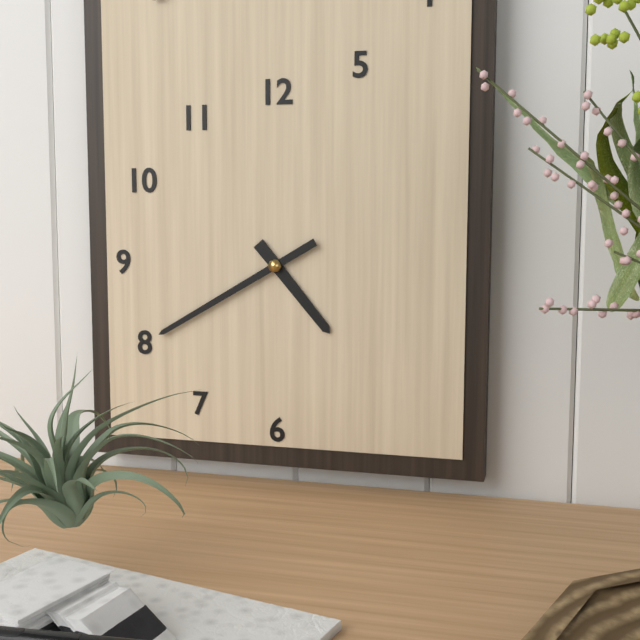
h=4 m=40
